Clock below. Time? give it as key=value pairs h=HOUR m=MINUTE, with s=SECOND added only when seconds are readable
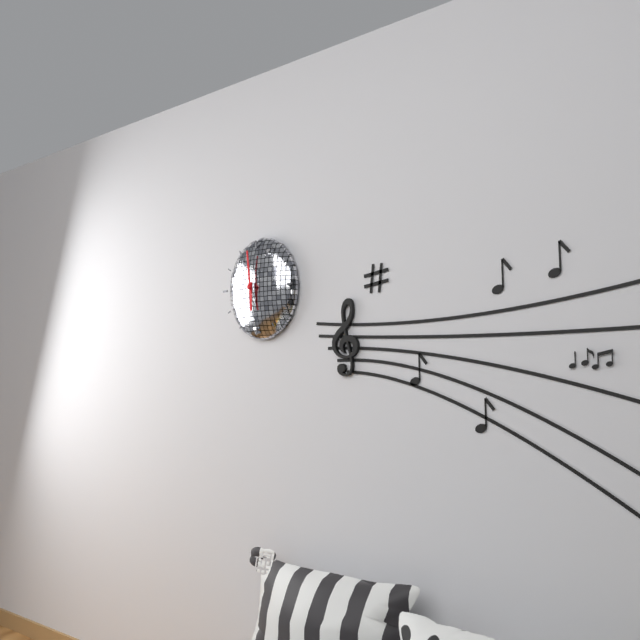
h=5 m=59
